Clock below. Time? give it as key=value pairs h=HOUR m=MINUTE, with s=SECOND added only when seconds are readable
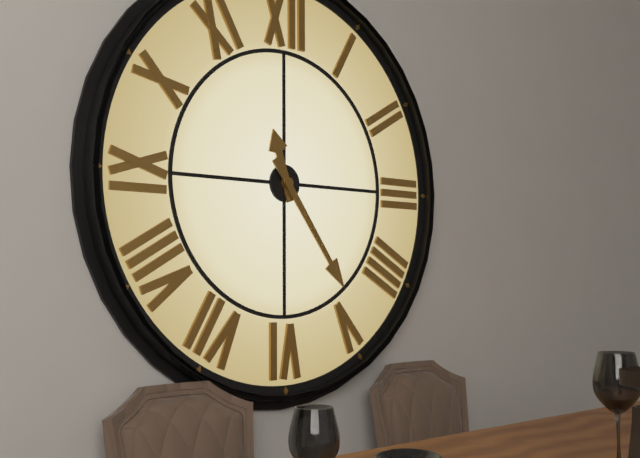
h=11 m=24
